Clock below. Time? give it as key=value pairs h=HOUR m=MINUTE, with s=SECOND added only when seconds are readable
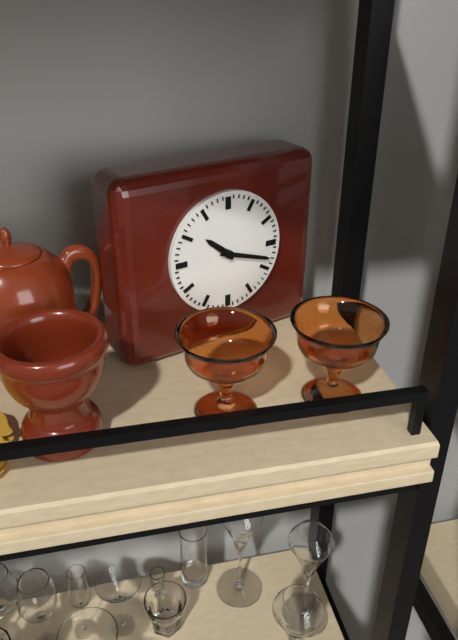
h=10 m=18
